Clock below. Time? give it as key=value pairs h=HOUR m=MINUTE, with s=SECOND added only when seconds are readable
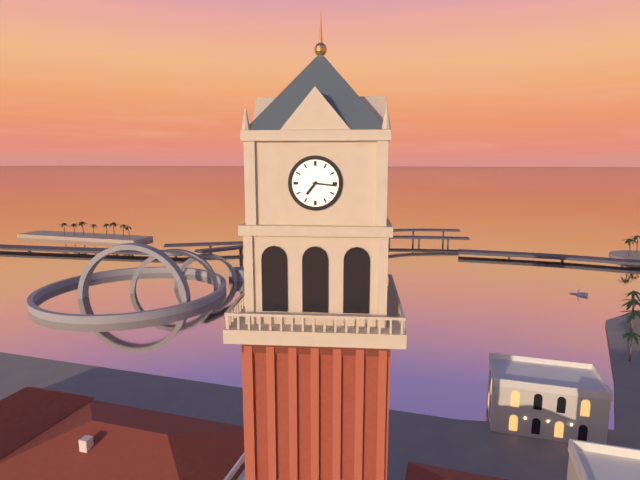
h=7 m=16
